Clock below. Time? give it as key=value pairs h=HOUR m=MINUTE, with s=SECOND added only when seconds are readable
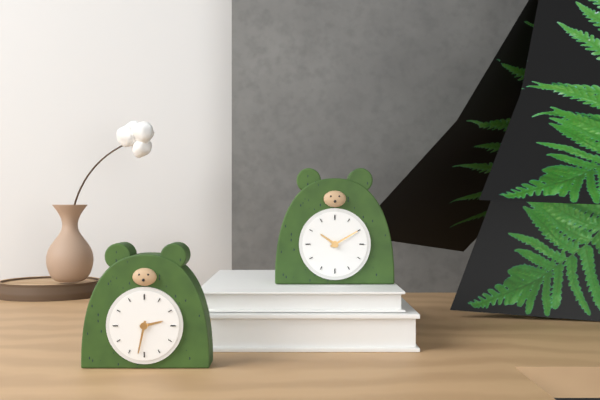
h=2 m=32
